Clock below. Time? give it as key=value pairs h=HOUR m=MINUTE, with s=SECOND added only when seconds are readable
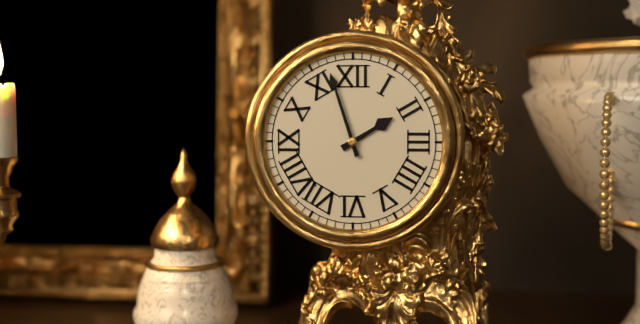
h=1 m=57
